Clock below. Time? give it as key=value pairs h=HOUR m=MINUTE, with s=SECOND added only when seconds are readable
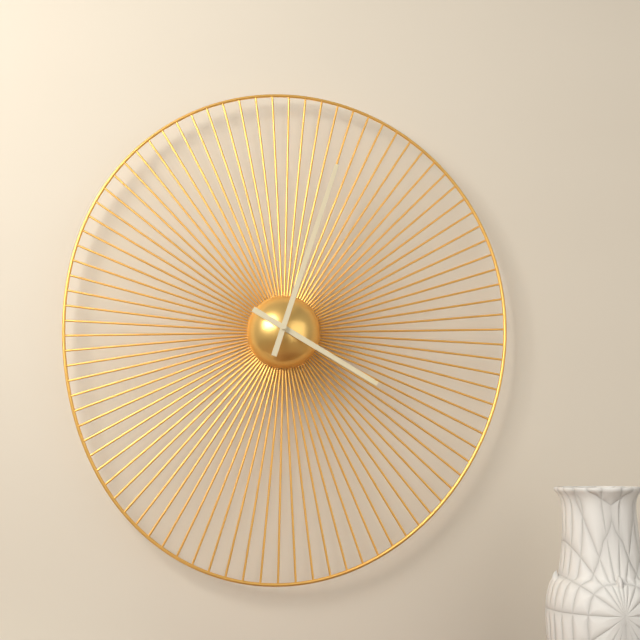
h=4 m=3
